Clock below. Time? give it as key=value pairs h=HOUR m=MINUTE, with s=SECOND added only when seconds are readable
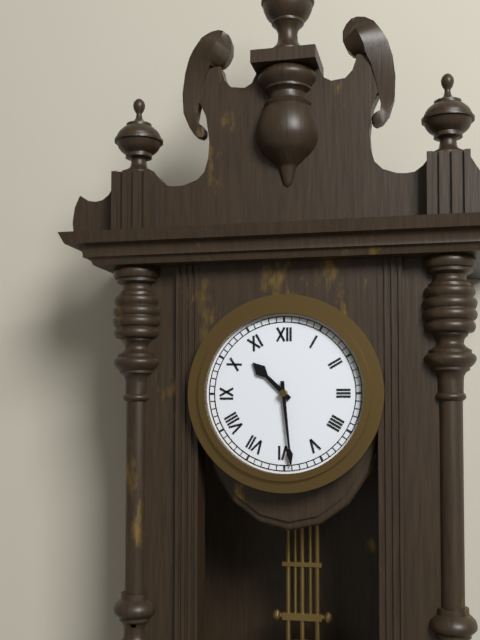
h=10 m=29
